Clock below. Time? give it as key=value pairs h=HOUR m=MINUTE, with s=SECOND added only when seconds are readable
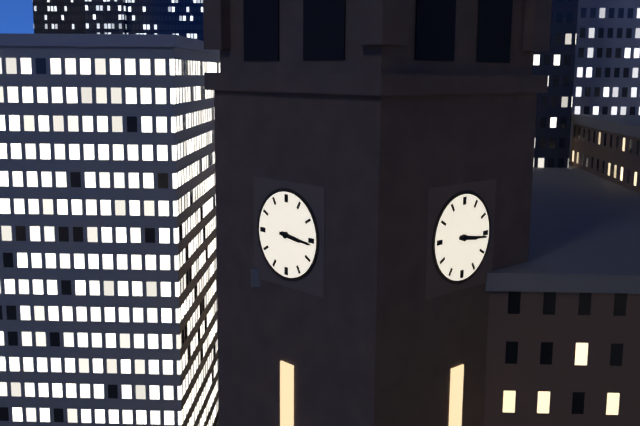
h=3 m=16
